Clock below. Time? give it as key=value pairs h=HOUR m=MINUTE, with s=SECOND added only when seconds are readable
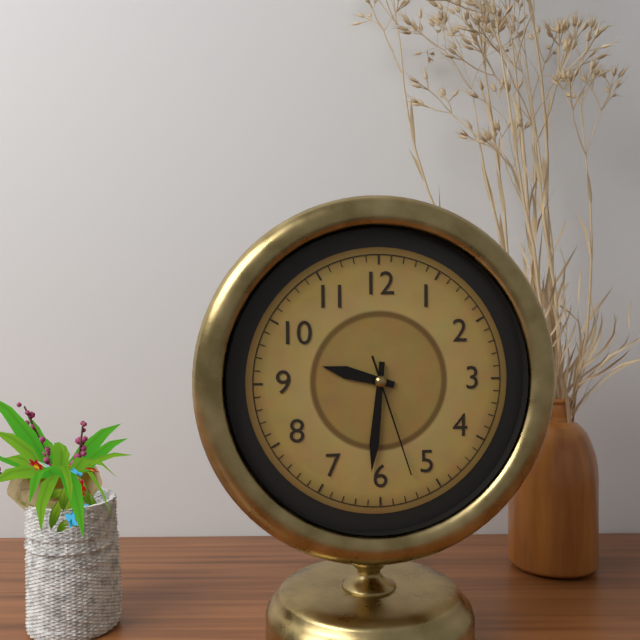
h=9 m=31 s=27
